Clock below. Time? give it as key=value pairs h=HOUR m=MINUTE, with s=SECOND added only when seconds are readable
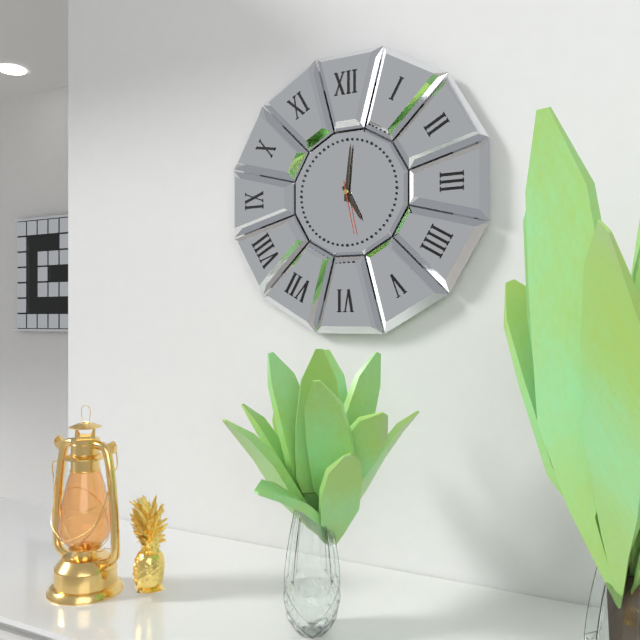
h=5 m=1
